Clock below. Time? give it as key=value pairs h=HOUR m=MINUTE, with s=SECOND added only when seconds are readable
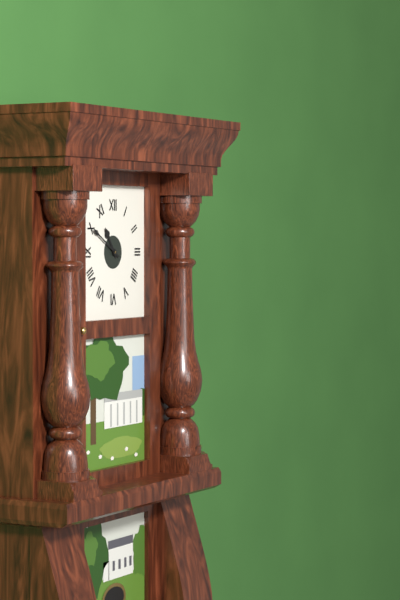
h=10 m=50
